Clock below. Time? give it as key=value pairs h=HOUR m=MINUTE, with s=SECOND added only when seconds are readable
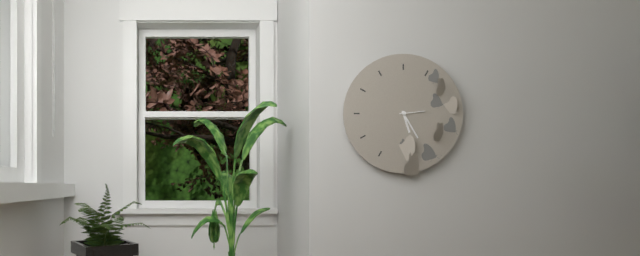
h=5 m=25
